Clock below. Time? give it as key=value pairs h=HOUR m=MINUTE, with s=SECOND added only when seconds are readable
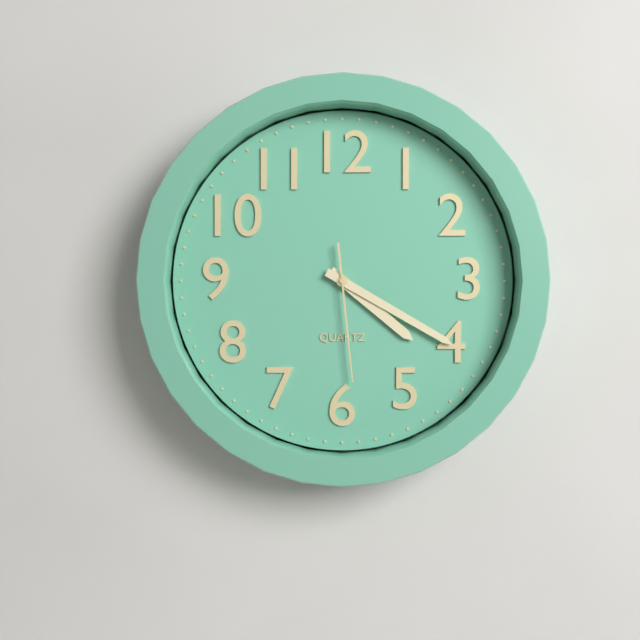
h=4 m=20 s=29
